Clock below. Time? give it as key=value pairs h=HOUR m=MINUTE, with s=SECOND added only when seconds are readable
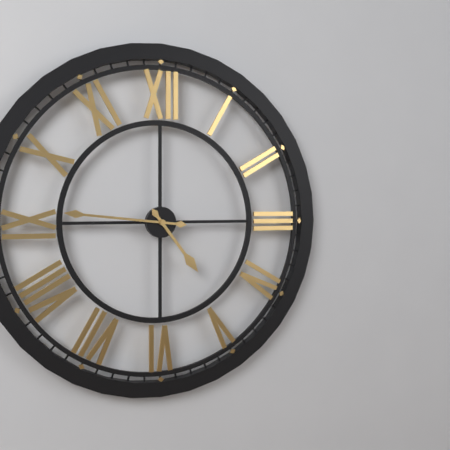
h=4 m=46
